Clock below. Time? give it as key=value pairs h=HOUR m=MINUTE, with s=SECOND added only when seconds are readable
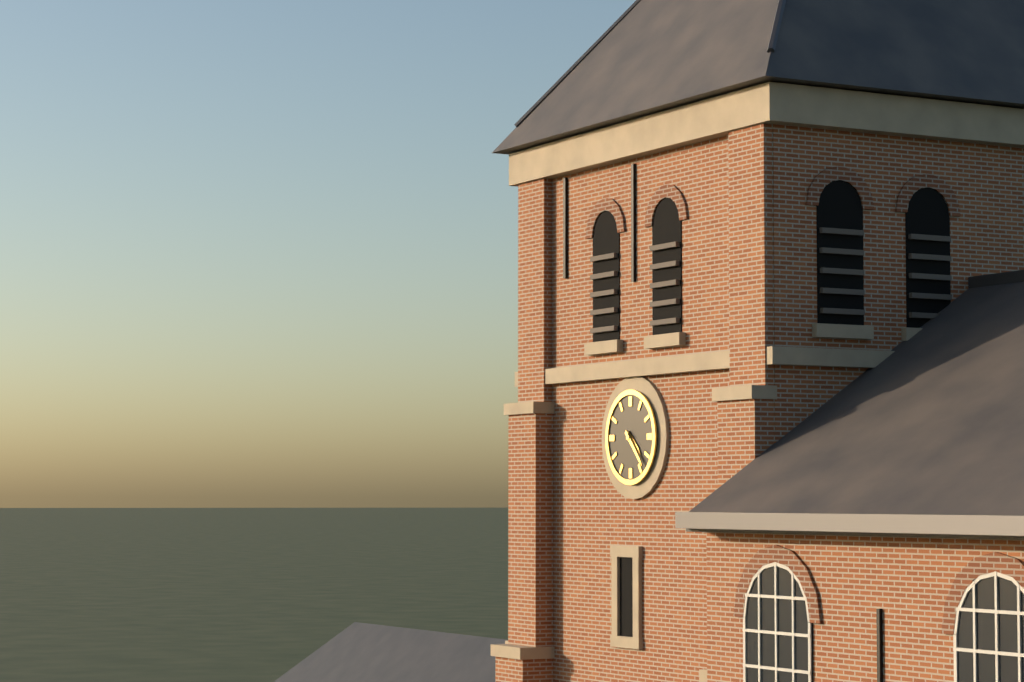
h=4 m=23
